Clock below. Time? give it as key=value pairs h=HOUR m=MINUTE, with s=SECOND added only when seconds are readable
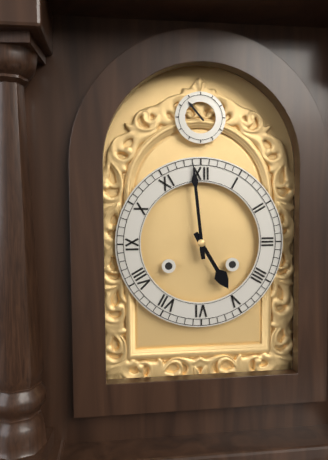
h=4 m=59
